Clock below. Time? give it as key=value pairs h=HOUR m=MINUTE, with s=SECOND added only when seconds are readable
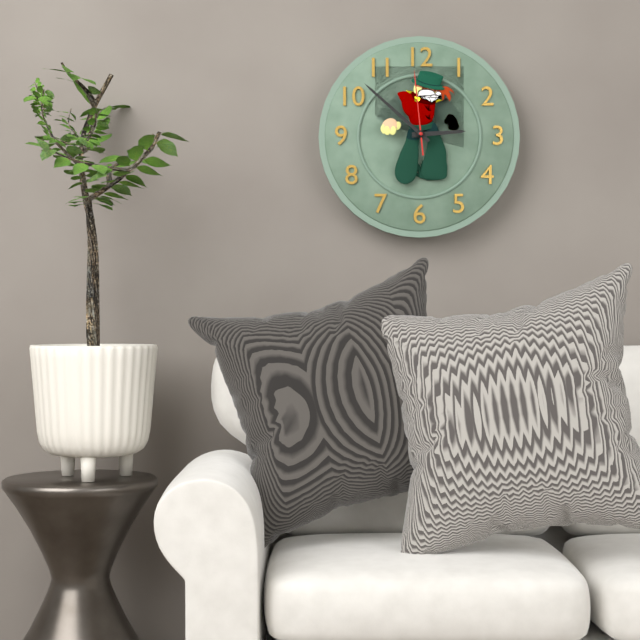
h=2 m=52 s=59
